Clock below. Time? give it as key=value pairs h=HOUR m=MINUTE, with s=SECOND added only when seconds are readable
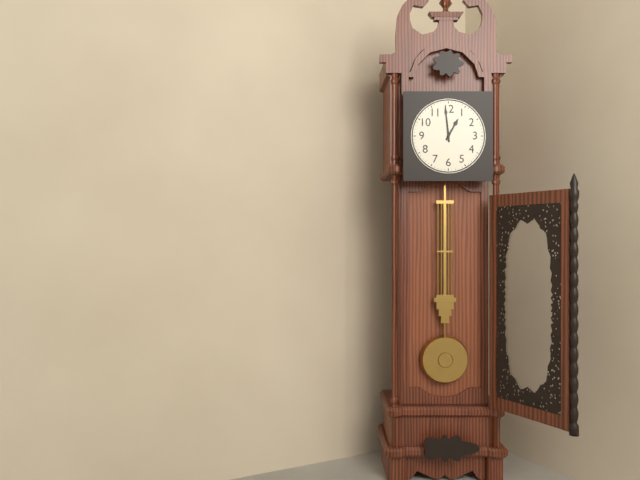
h=12 m=59
